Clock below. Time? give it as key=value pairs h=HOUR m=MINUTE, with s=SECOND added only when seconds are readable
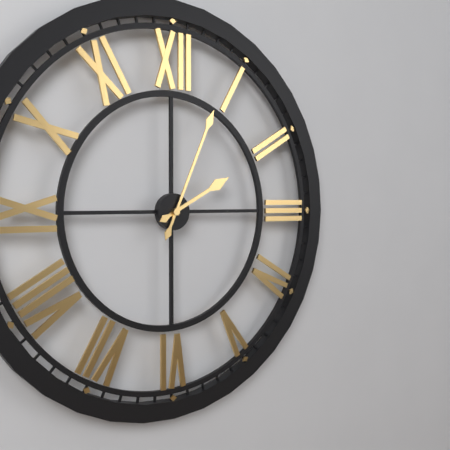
h=2 m=4
